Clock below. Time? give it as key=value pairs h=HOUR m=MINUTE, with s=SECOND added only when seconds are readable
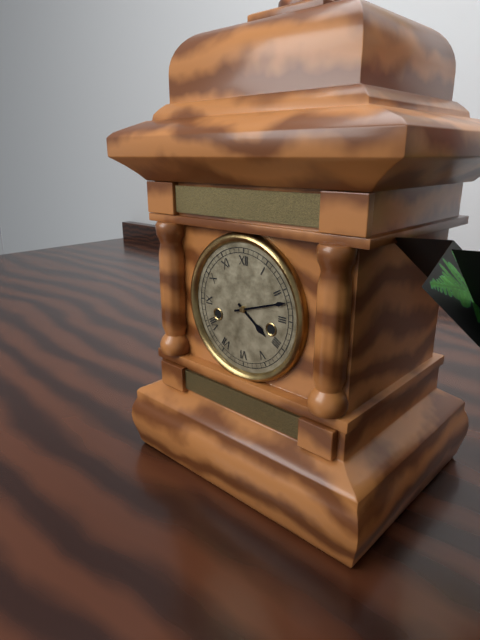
h=4 m=12
